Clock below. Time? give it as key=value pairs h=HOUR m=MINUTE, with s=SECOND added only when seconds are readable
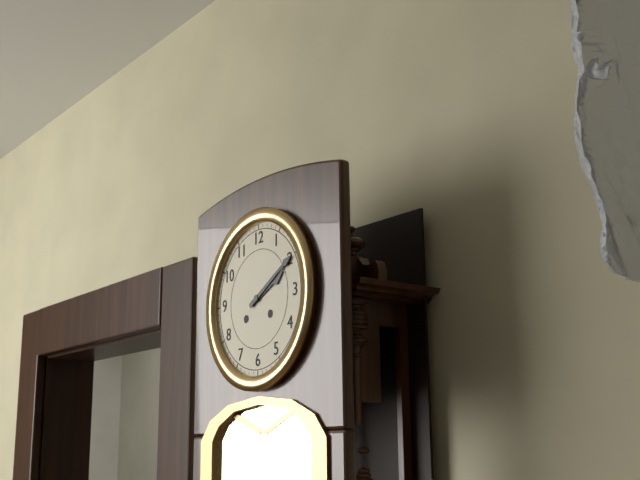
h=2 m=10
